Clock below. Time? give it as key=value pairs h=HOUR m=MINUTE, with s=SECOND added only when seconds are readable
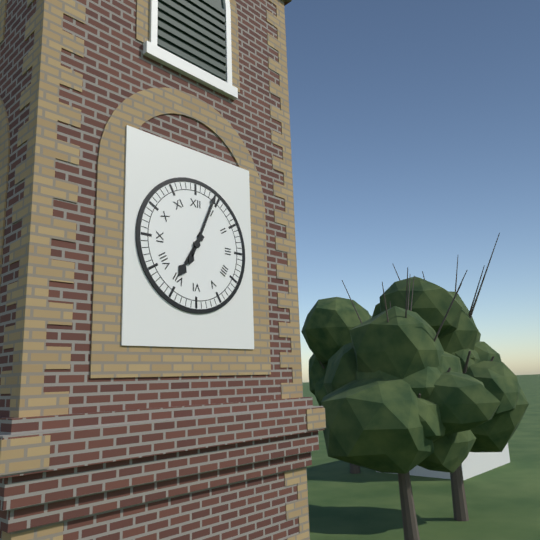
h=7 m=4
